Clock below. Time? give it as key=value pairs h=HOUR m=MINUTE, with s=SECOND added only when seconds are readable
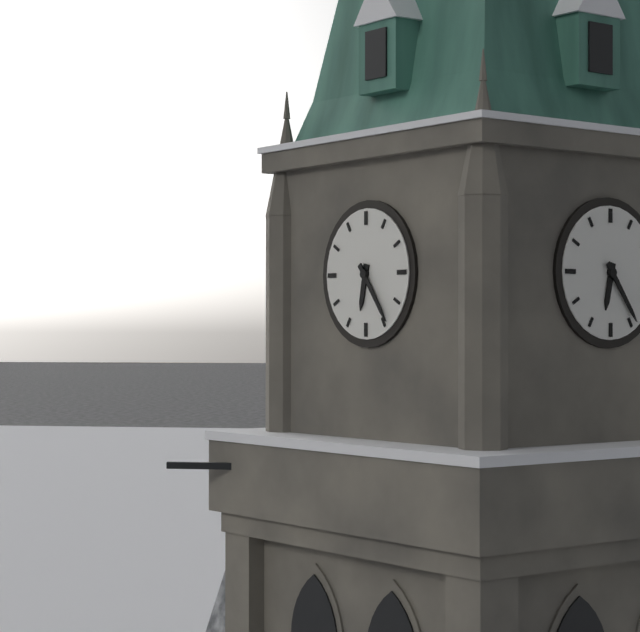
h=6 m=24
